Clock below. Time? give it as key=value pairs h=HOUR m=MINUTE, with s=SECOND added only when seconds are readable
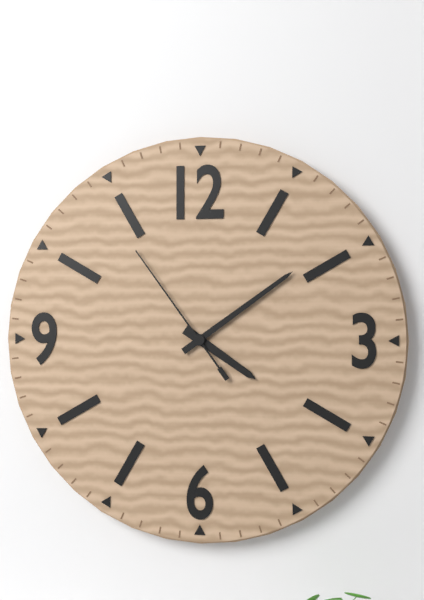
h=4 m=9 s=54
